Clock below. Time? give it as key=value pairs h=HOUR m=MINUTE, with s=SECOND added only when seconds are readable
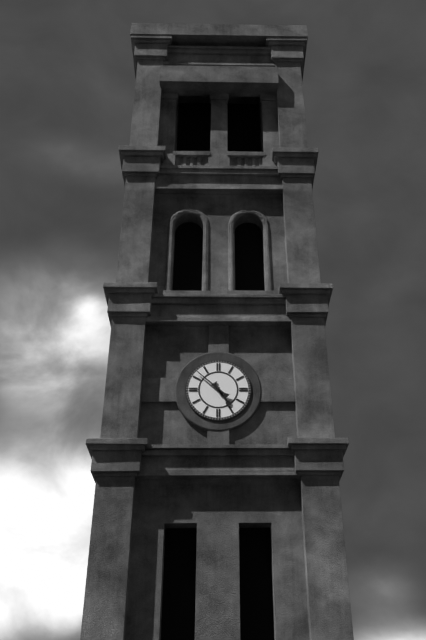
h=4 m=52
